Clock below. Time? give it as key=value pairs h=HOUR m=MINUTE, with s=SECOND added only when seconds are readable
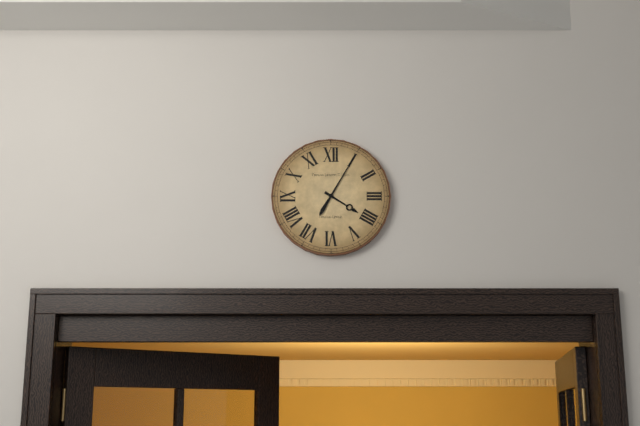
h=4 m=5
